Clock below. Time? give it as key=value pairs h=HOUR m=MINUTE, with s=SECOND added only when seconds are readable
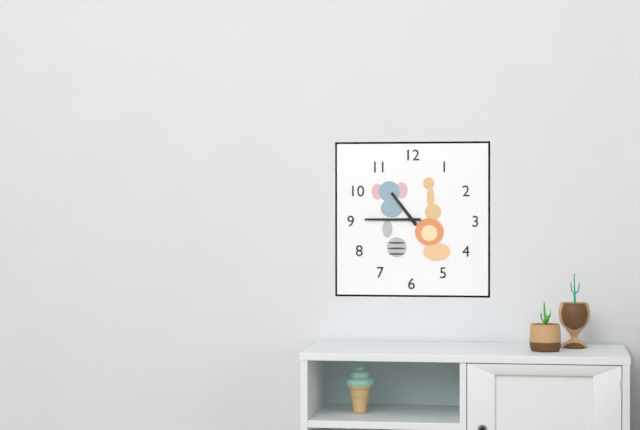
h=10 m=45
